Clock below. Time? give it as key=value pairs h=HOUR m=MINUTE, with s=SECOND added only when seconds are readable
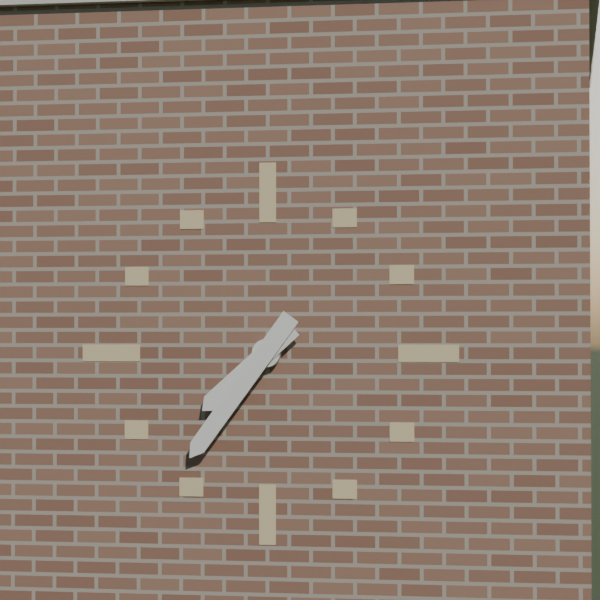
h=7 m=36
